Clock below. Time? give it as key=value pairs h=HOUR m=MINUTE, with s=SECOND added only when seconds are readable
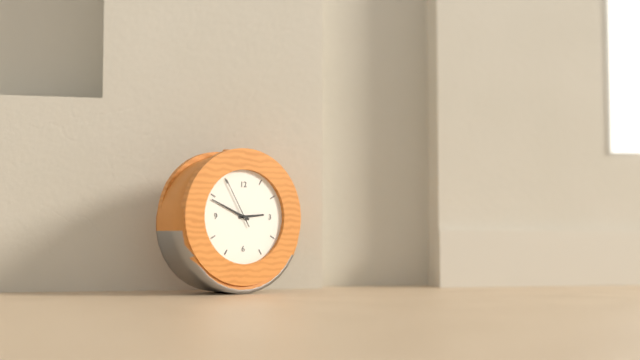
h=2 m=49 s=55
